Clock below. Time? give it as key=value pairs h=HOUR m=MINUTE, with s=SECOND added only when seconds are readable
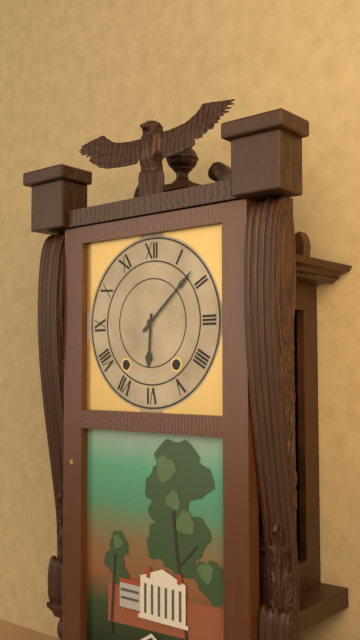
h=6 m=8
